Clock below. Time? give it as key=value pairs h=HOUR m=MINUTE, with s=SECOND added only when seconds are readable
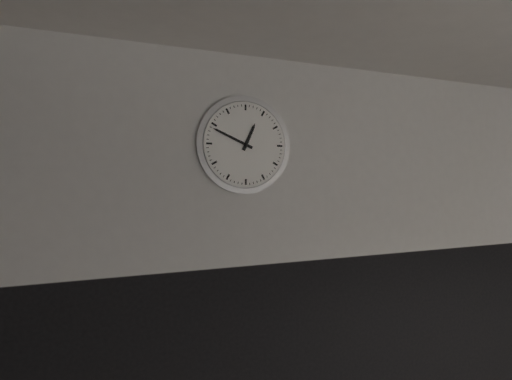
h=12 m=49
